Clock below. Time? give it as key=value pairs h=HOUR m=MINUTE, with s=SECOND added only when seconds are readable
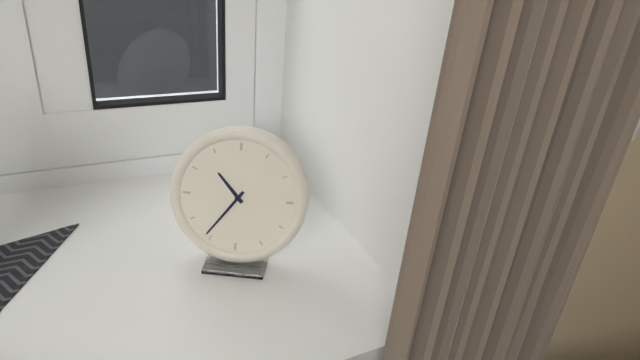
h=10 m=36
